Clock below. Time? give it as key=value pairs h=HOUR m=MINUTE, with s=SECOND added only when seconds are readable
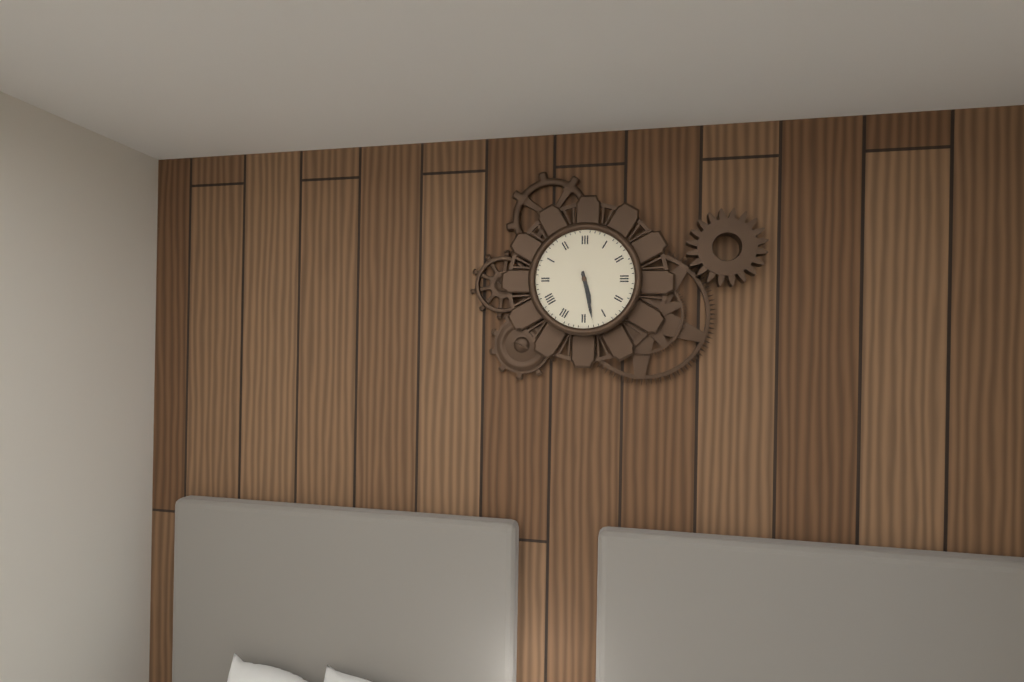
h=5 m=28
